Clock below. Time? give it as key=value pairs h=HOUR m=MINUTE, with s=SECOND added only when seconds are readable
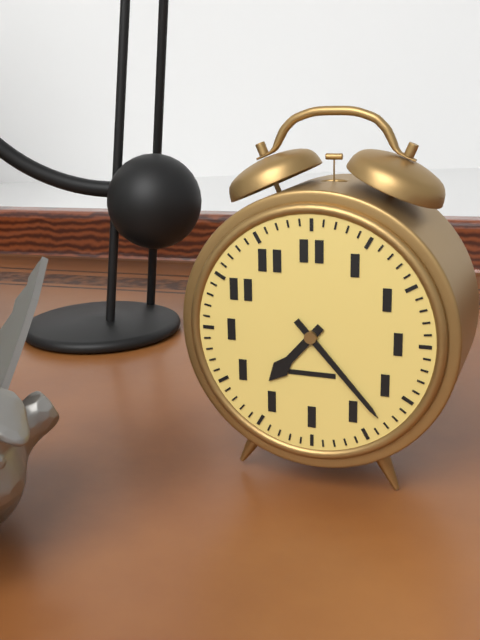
h=7 m=23
